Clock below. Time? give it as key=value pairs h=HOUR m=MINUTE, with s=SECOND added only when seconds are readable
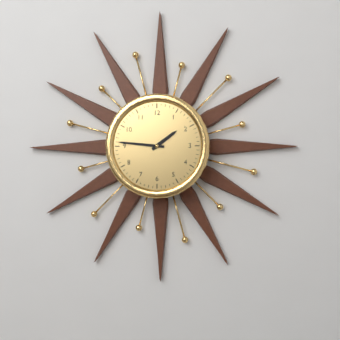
h=1 m=46
